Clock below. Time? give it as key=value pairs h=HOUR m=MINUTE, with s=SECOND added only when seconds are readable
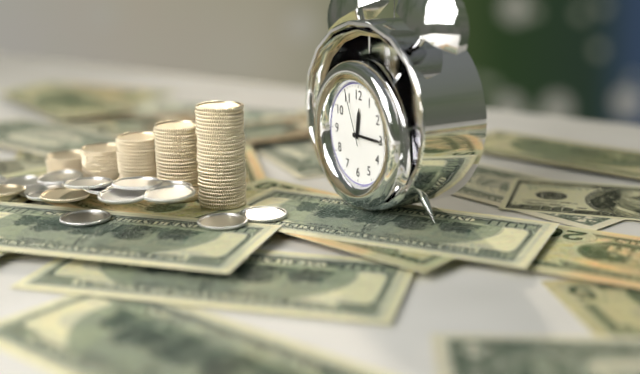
h=12 m=15 s=56
